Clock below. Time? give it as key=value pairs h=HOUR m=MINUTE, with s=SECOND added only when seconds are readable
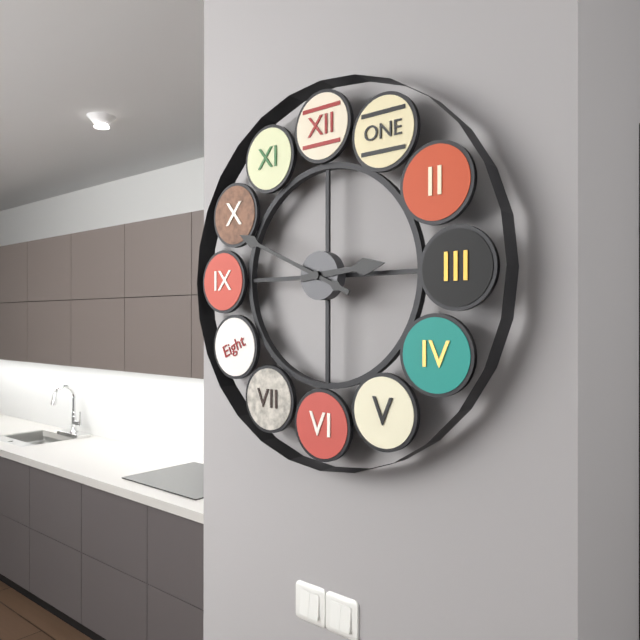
h=2 m=49
